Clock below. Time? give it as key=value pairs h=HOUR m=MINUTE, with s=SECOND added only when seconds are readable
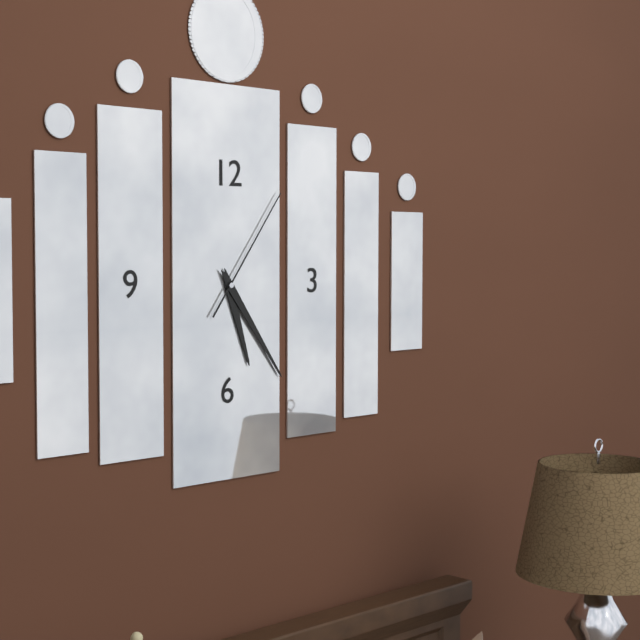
h=5 m=24 s=6
